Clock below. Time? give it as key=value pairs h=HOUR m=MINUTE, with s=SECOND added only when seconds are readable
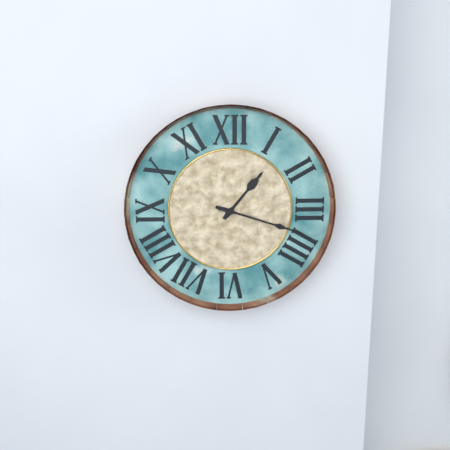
h=1 m=18
